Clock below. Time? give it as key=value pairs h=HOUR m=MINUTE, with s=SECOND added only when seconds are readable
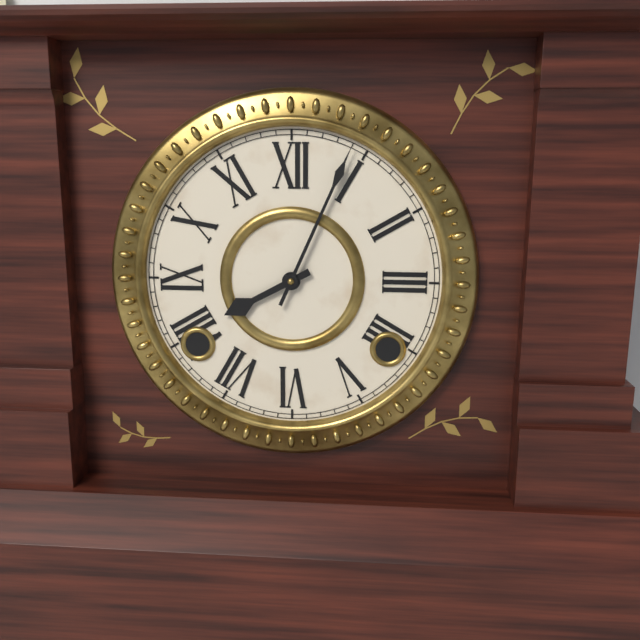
h=8 m=4
